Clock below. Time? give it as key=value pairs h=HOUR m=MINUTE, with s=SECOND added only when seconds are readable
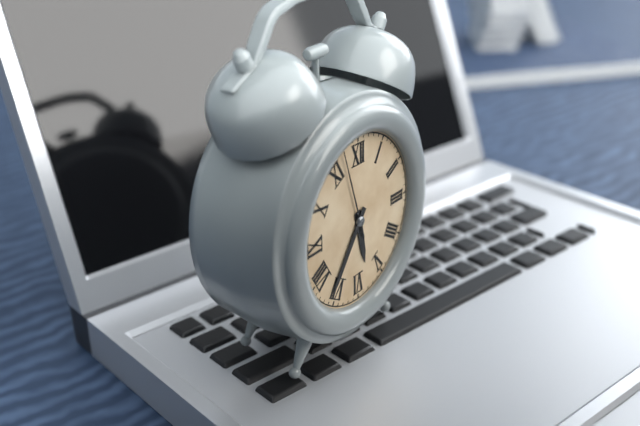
h=5 m=36 s=57
